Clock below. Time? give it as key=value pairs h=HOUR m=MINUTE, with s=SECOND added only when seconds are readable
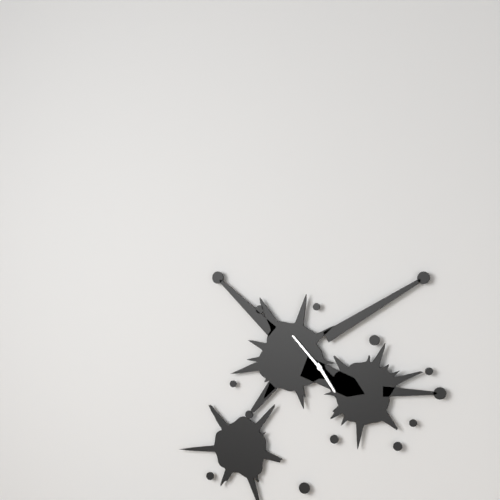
h=4 m=53
